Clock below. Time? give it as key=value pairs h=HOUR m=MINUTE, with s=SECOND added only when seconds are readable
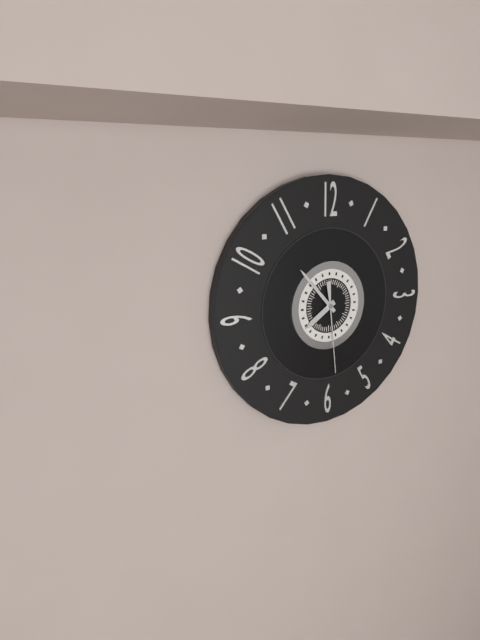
h=7 m=53 s=29
